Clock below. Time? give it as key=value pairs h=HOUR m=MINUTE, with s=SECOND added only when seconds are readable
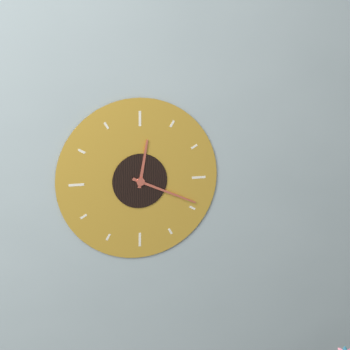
h=12 m=19
